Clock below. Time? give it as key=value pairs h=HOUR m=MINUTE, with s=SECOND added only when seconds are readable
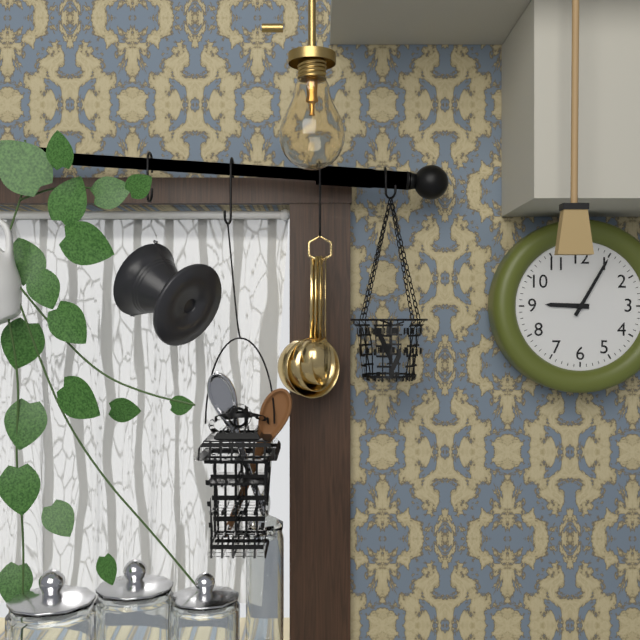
h=9 m=5
